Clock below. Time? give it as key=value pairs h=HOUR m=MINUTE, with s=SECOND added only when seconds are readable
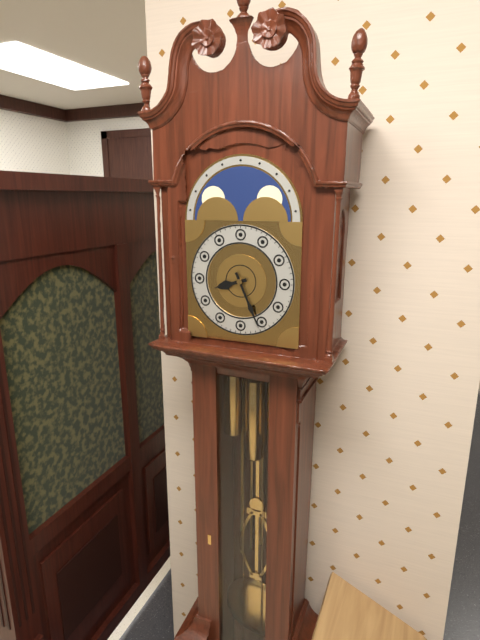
h=8 m=26
